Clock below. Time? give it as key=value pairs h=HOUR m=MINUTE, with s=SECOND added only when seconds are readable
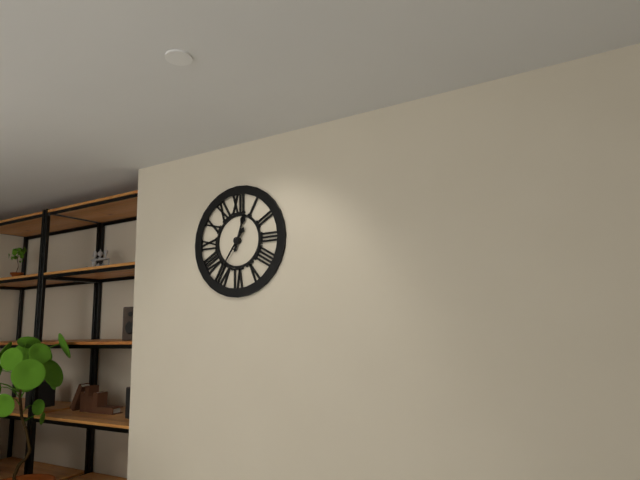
h=12 m=36
